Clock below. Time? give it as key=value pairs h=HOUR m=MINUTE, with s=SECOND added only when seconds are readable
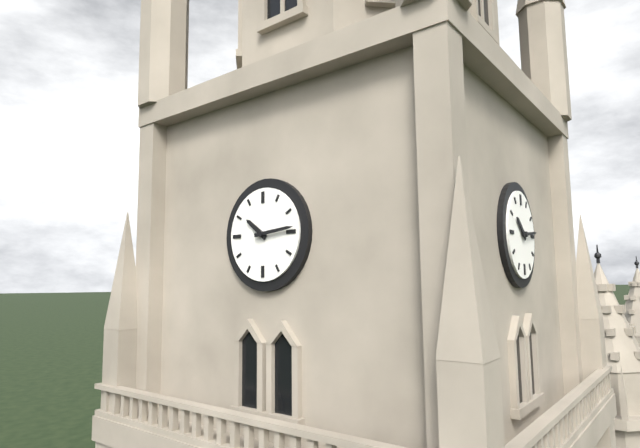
h=10 m=14
